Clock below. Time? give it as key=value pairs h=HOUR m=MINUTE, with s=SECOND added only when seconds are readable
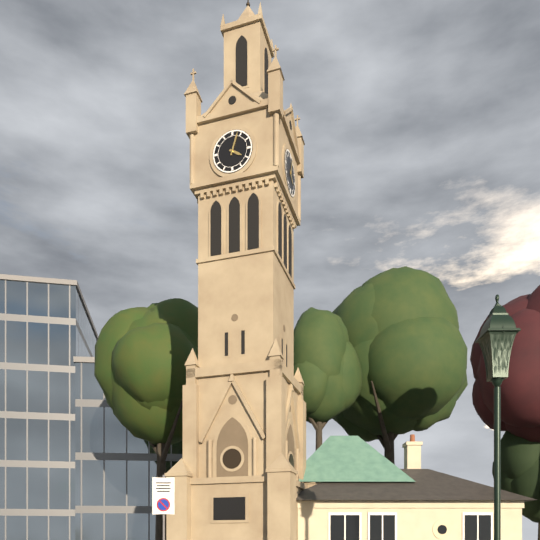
h=4 m=3
